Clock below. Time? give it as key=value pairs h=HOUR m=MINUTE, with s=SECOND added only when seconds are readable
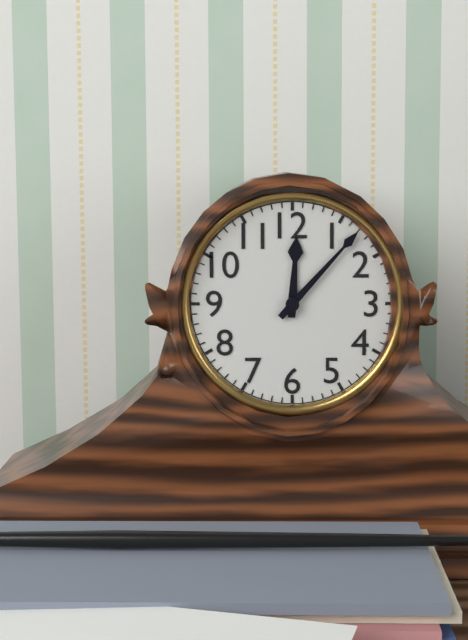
h=12 m=7
